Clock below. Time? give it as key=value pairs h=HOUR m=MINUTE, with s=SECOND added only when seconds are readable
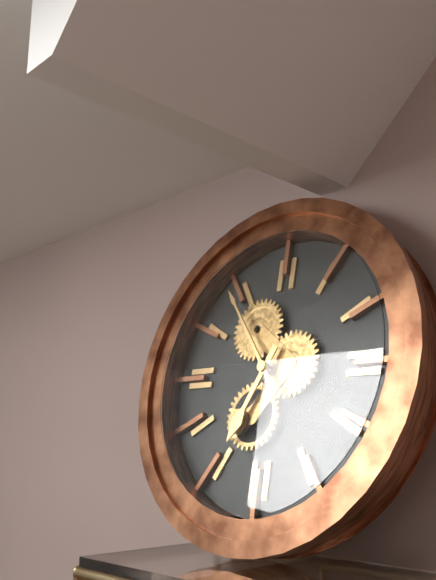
h=6 m=54
